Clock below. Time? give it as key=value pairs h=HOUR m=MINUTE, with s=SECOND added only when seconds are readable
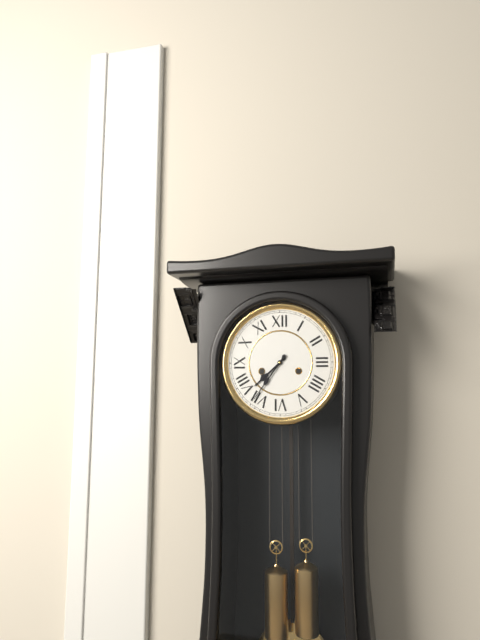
h=7 m=36
